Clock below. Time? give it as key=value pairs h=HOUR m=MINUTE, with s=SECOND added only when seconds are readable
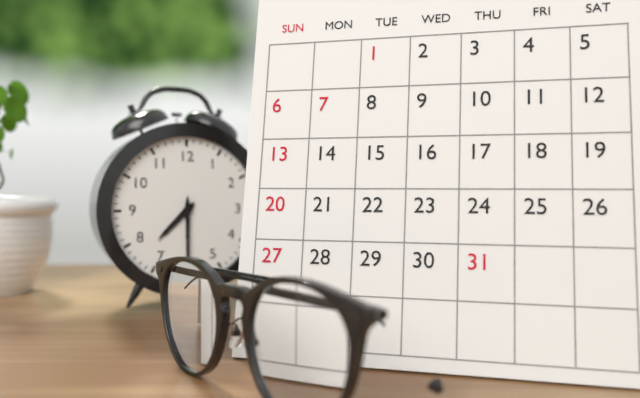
h=7 m=30
